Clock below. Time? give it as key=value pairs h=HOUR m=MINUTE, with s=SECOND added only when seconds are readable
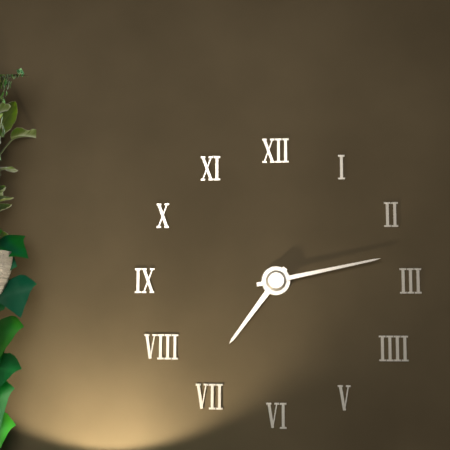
h=7 m=13
